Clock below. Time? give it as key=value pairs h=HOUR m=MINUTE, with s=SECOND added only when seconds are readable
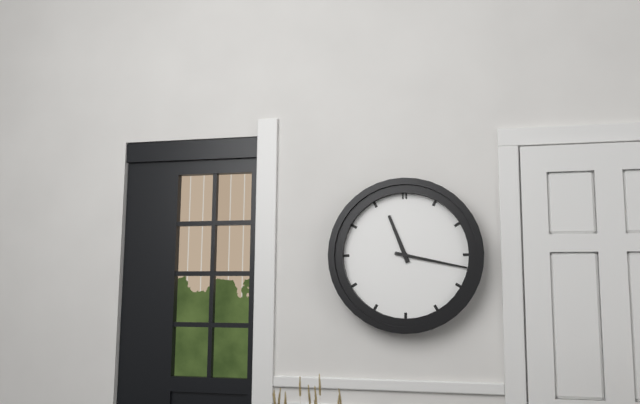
h=11 m=17
